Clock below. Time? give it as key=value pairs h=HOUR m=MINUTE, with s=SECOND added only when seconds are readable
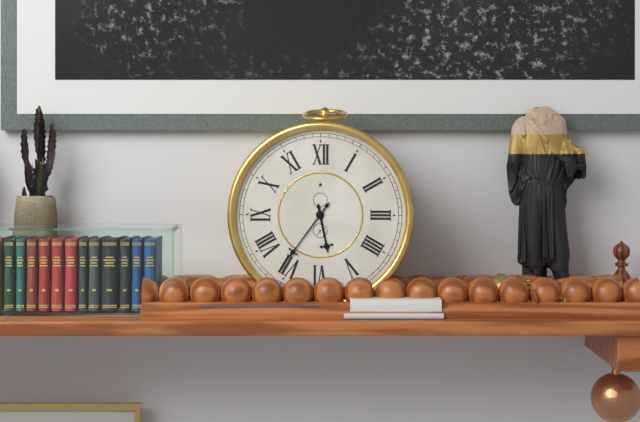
h=5 m=36
